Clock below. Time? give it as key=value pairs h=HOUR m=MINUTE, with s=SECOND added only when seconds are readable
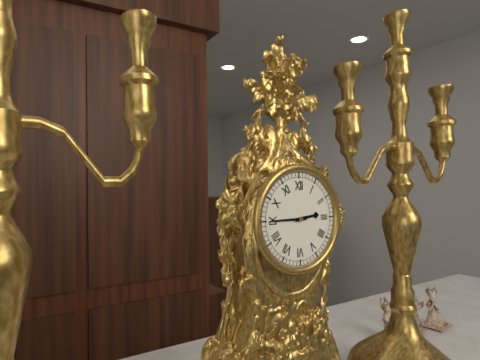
h=2 m=45
